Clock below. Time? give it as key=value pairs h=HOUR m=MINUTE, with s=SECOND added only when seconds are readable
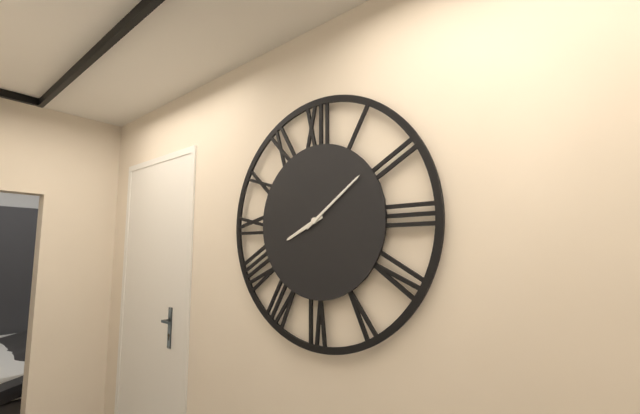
h=8 m=9
